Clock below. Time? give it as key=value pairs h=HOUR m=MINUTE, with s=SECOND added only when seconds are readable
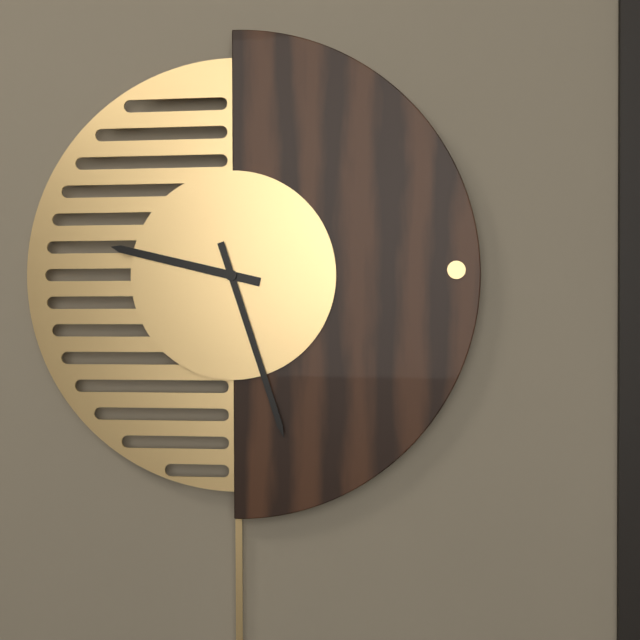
h=9 m=27
